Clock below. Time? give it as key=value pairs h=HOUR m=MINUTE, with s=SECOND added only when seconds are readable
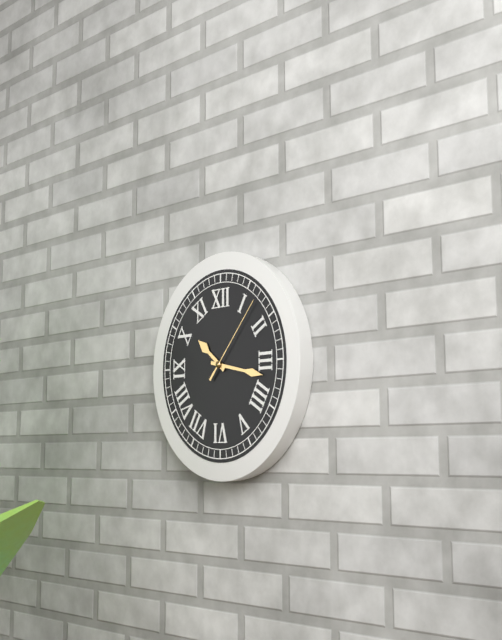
h=10 m=17 s=7
